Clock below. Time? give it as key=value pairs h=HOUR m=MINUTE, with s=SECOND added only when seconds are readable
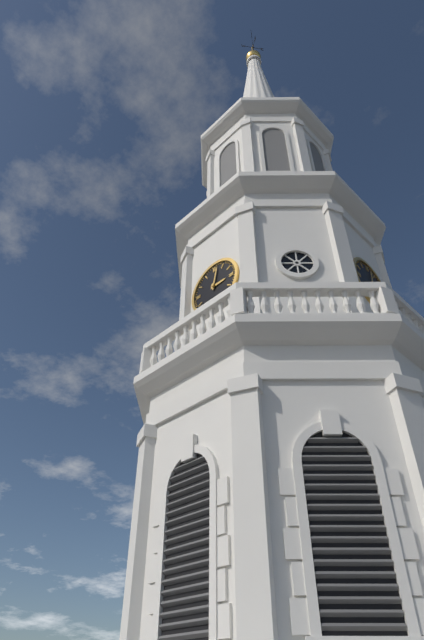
h=3 m=2
